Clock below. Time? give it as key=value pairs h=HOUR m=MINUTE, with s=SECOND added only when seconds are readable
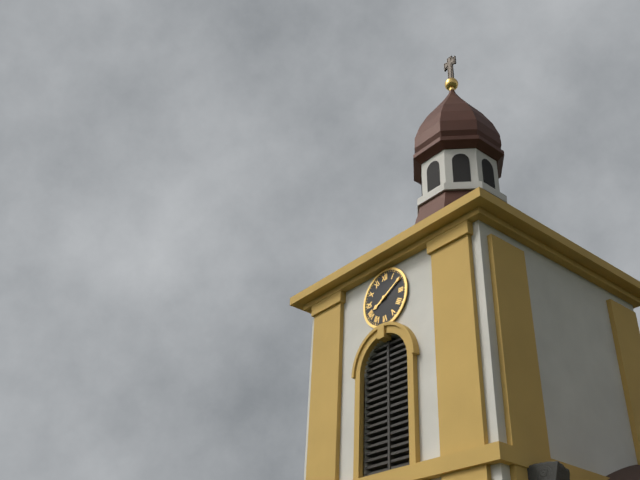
h=8 m=10
